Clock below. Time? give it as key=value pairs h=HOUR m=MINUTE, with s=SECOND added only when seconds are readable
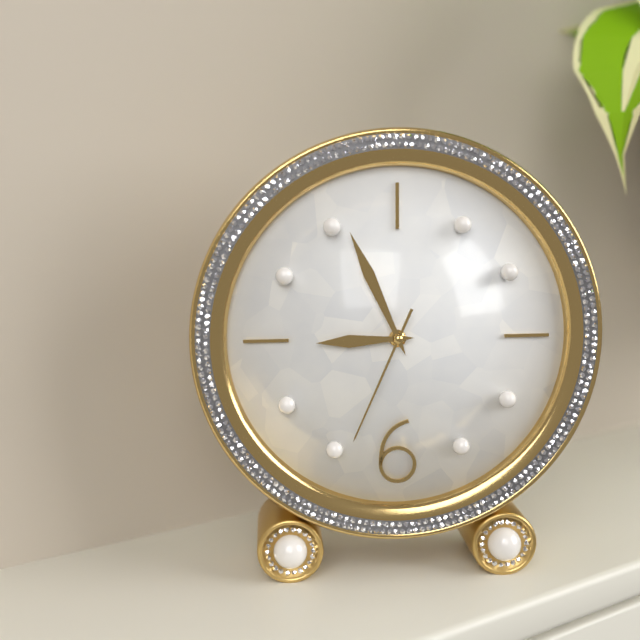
h=8 m=56 s=34
